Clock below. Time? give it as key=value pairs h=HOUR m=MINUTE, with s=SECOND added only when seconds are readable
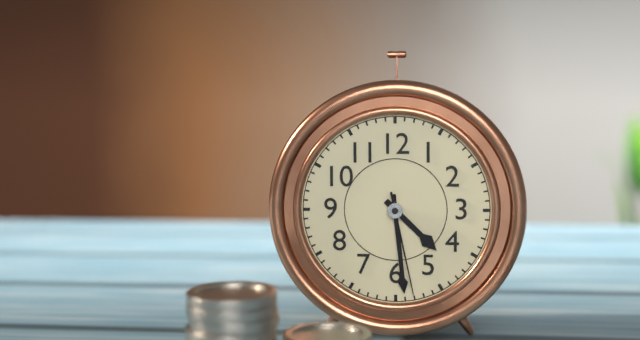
h=4 m=29 s=28
